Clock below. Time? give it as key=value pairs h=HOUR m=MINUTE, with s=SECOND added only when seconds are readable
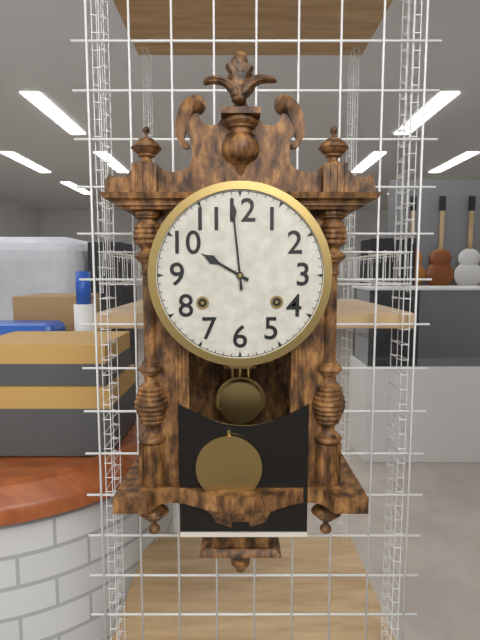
h=9 m=59
